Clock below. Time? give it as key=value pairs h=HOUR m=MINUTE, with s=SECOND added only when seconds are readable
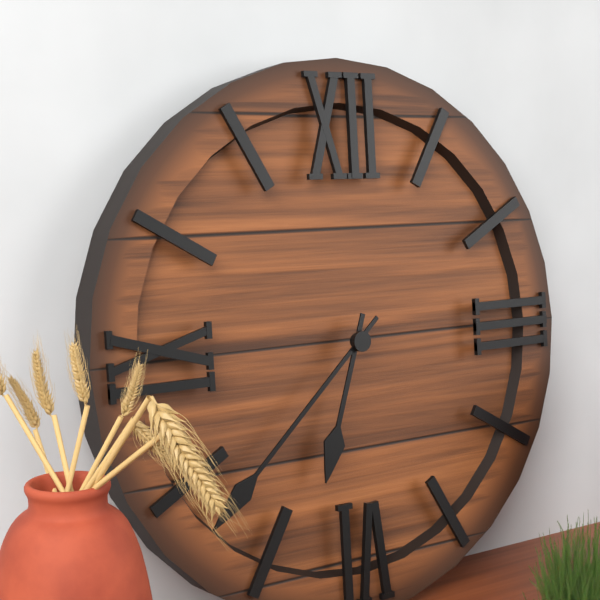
h=6 m=38
